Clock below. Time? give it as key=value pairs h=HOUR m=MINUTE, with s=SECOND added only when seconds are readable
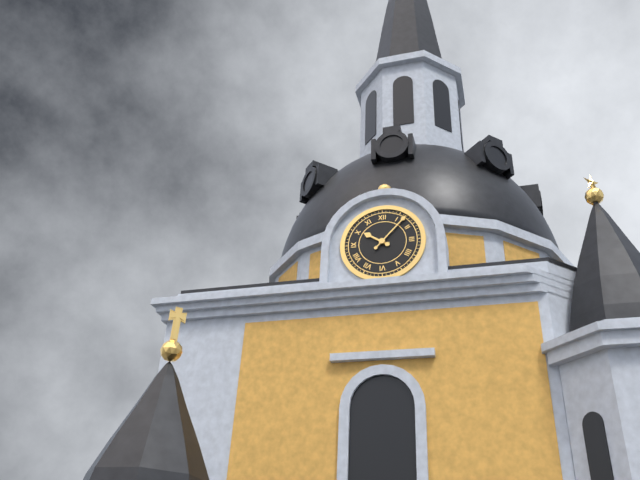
h=10 m=7
